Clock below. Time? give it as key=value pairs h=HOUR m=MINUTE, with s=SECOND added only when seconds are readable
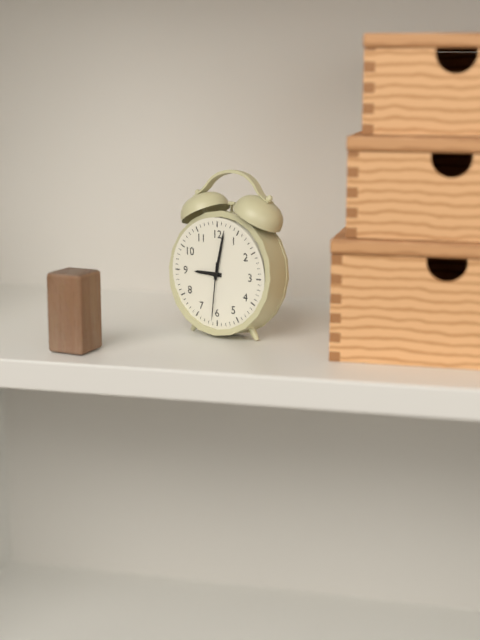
h=9 m=2 s=31
